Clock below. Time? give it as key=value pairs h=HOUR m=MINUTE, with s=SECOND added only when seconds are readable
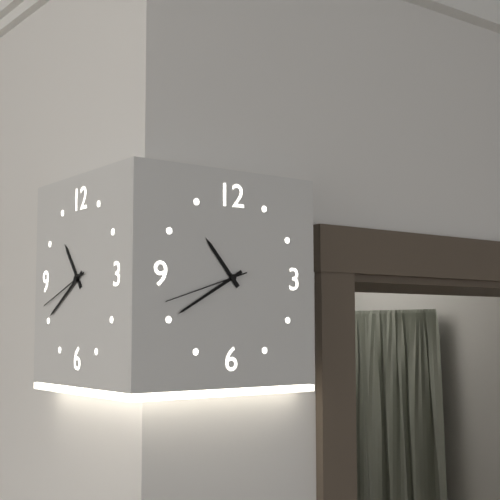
h=10 m=40 s=42
